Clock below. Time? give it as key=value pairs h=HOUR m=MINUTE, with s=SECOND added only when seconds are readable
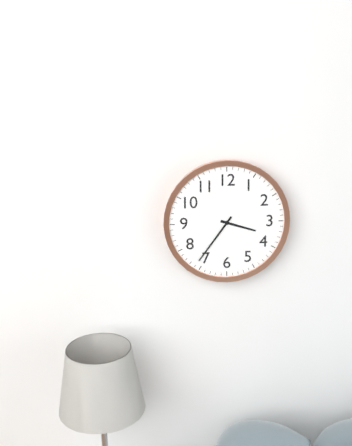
h=3 m=36
